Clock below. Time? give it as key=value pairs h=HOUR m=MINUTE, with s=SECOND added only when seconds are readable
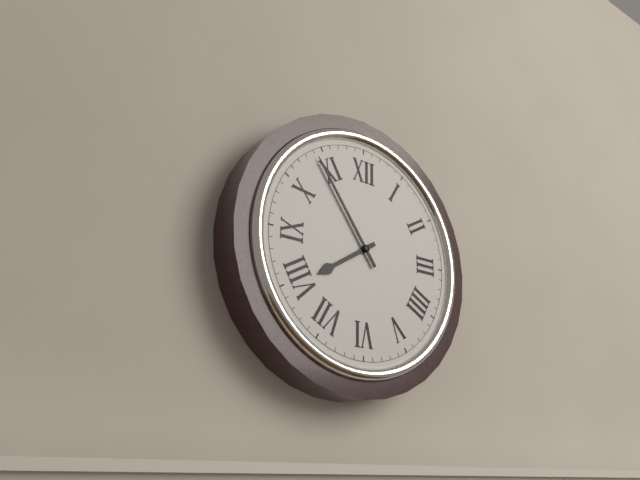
h=7 m=54
